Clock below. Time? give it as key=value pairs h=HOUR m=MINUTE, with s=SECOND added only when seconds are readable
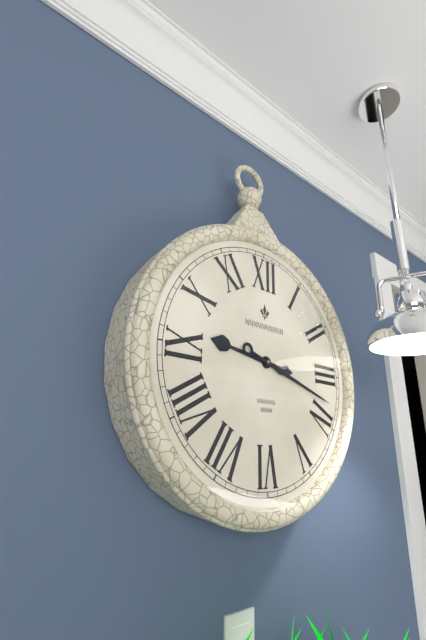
h=9 m=18
